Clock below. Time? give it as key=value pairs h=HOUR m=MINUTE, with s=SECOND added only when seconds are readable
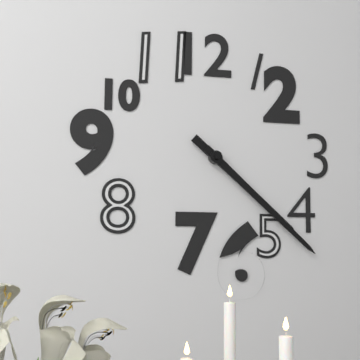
h=4 m=22
